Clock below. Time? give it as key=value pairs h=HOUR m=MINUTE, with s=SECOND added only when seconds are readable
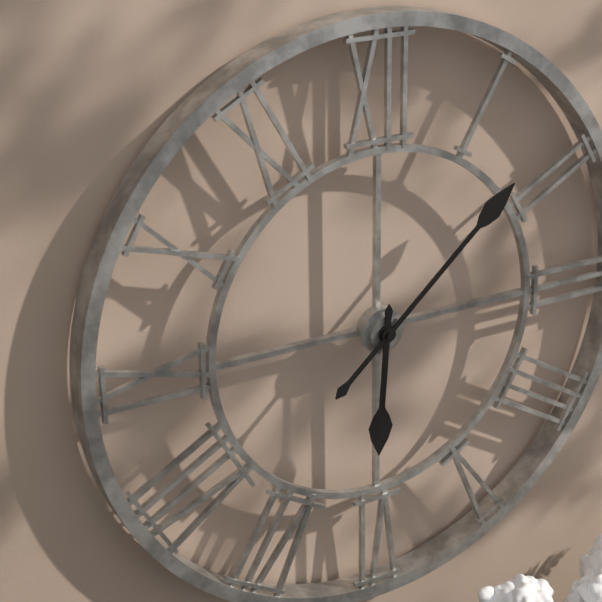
h=6 m=8
